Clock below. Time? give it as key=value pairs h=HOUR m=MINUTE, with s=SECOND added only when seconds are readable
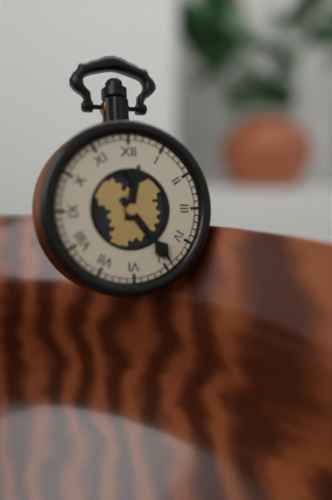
h=12 m=24
